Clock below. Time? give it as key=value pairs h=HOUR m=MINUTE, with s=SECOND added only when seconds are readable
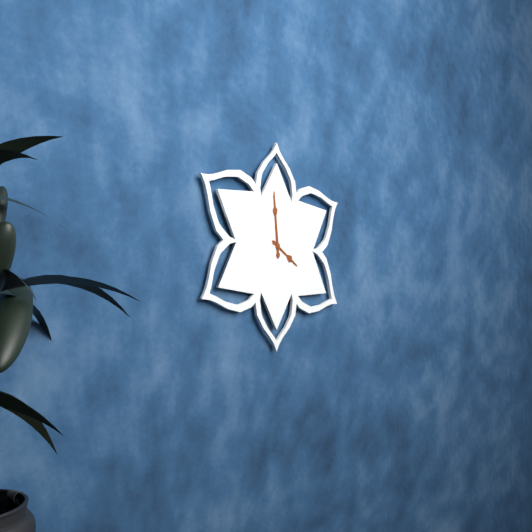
h=3 m=59
